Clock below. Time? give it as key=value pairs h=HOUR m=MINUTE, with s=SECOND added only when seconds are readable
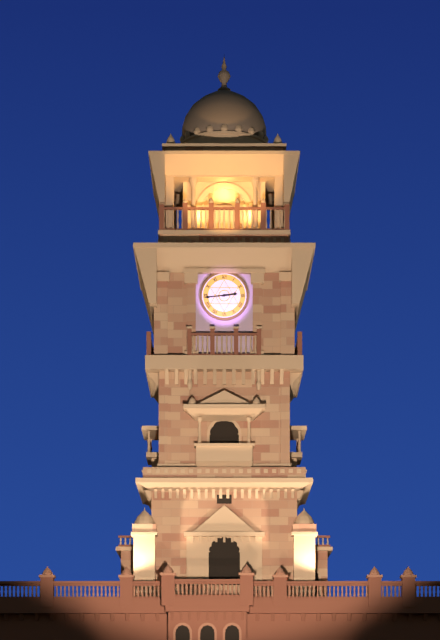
h=2 m=44
